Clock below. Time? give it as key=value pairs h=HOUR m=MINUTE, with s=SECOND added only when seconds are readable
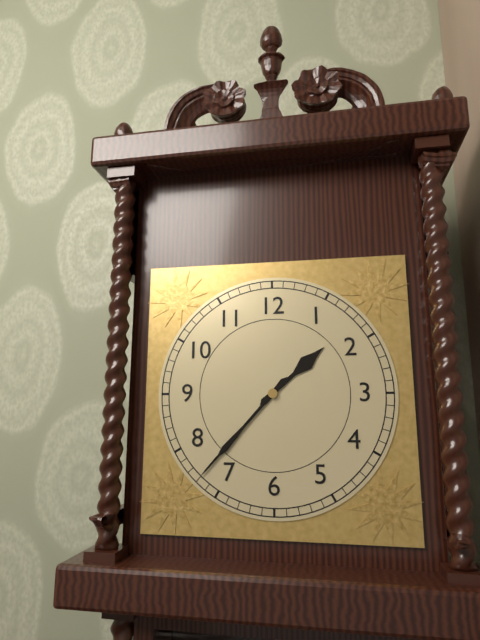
h=1 m=37
